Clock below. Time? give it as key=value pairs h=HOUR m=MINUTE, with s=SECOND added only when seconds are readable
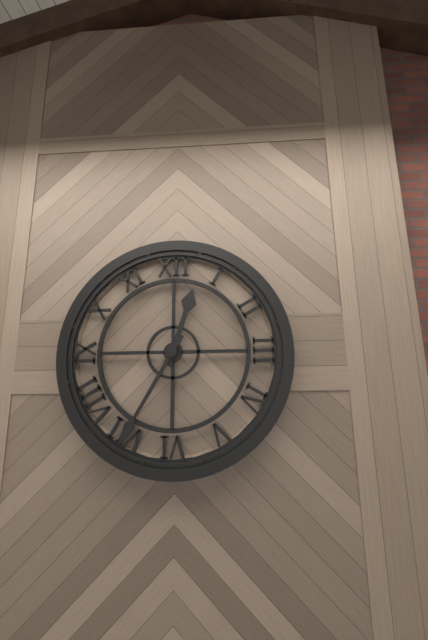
h=12 m=35
